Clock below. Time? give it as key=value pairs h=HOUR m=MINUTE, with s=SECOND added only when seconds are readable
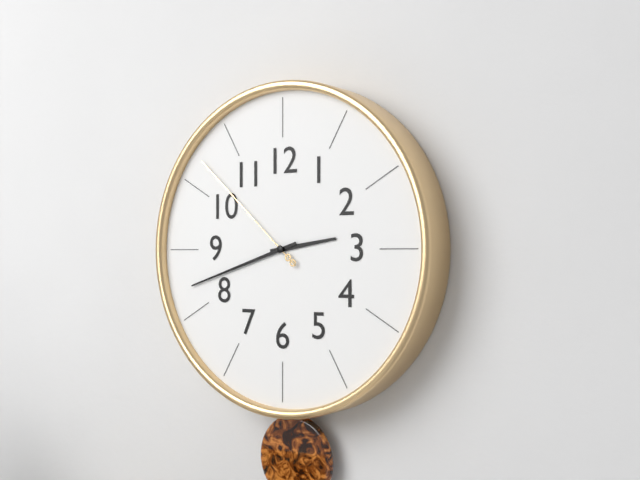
h=2 m=42 s=52
